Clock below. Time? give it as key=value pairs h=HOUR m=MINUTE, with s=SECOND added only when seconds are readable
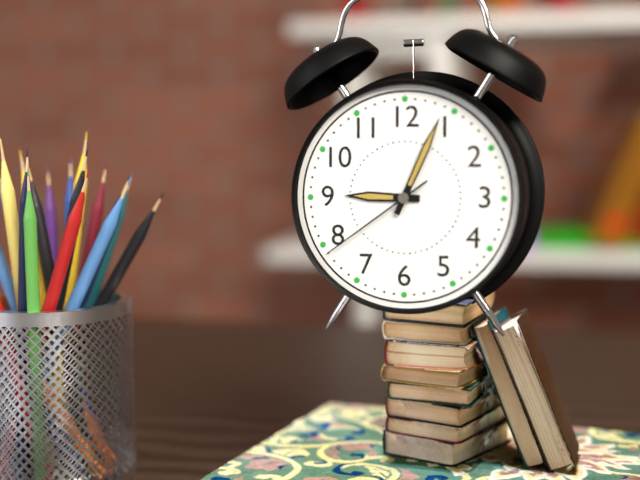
h=9 m=4 s=39
